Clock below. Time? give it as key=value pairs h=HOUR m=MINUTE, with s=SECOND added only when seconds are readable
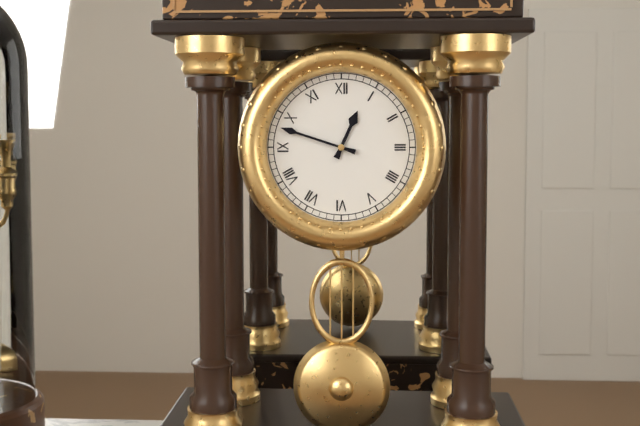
h=12 m=48
